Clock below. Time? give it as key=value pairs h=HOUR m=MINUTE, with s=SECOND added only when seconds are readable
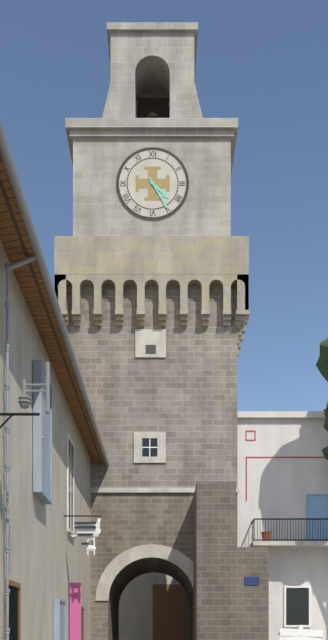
h=4 m=25
